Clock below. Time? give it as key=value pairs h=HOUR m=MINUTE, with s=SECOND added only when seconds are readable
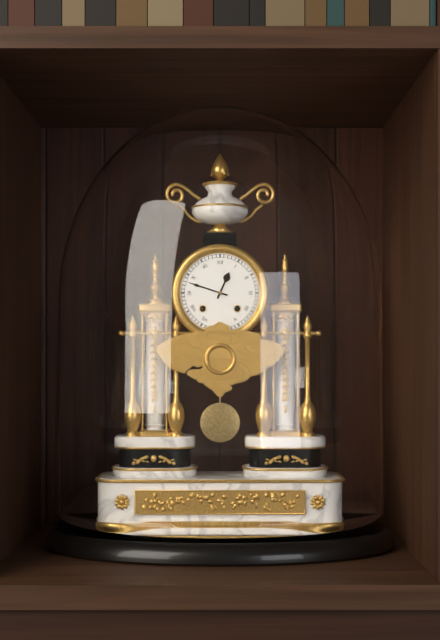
h=12 m=48
